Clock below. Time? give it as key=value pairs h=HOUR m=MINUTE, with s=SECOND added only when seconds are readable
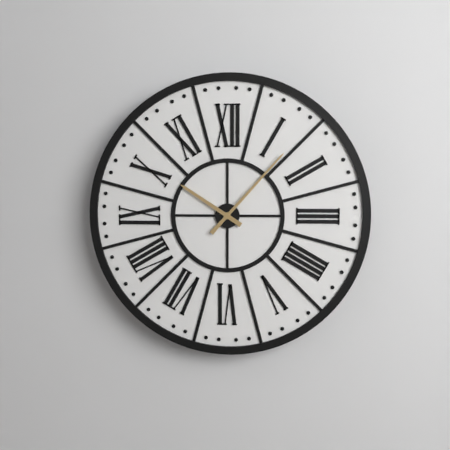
h=10 m=7
